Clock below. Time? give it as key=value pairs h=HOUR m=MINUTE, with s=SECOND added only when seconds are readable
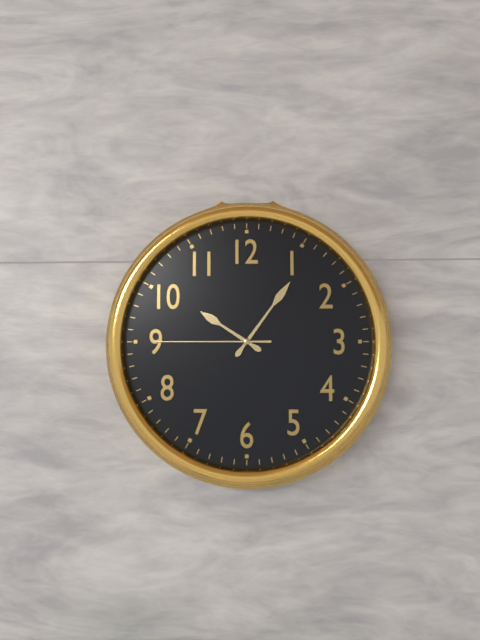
h=10 m=6 s=45
